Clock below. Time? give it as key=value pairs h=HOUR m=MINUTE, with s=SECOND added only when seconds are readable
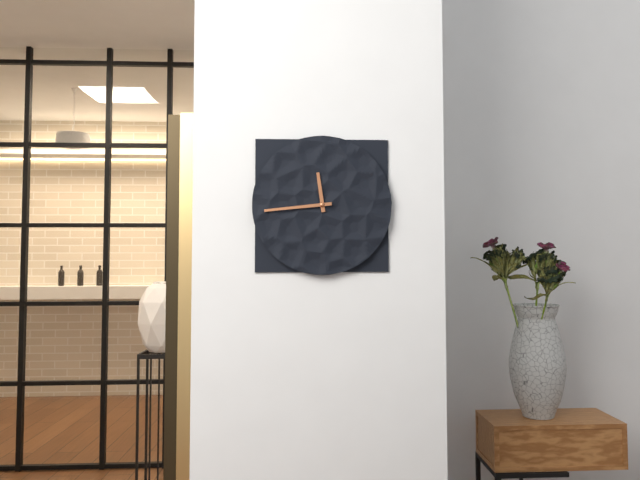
h=11 m=44
